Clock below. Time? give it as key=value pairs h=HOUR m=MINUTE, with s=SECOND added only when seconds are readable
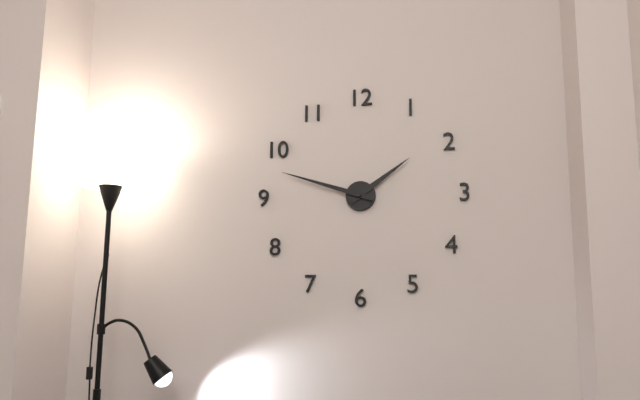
h=1 m=48
